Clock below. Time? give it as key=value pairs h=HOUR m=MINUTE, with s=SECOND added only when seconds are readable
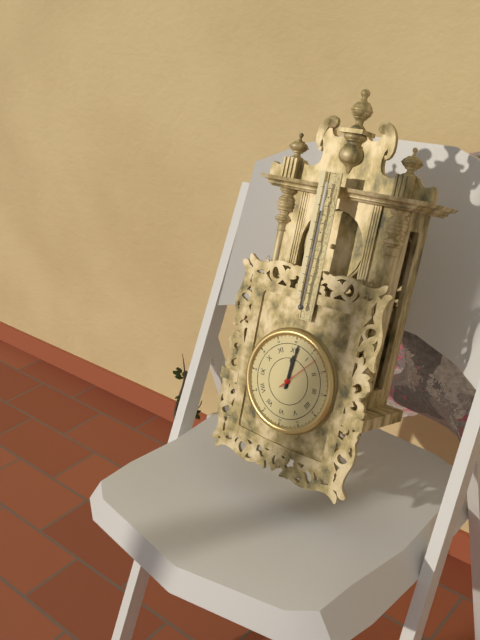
h=12 m=1
